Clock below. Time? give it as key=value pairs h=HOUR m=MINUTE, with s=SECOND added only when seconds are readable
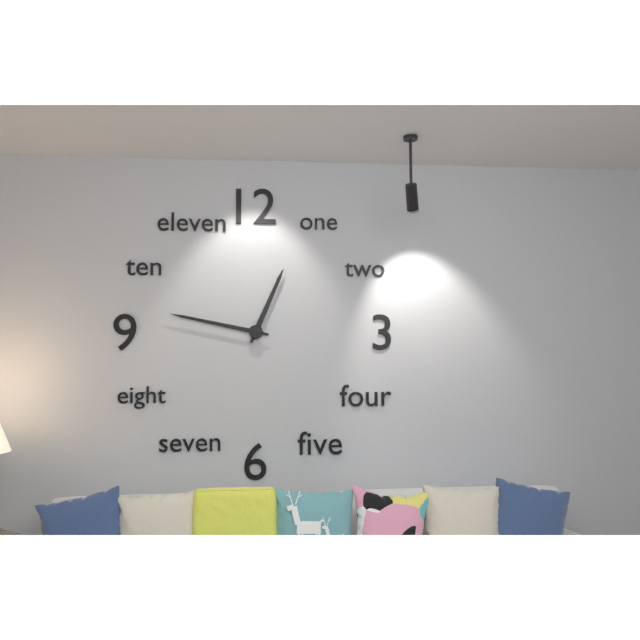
h=12 m=47
